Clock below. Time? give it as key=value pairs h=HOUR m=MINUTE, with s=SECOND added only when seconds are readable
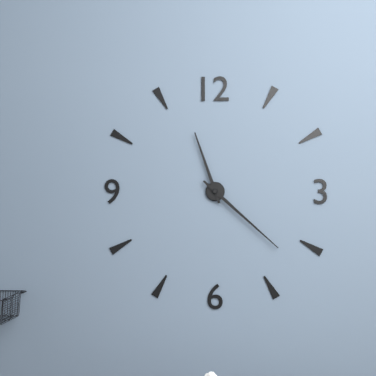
h=11 m=22
